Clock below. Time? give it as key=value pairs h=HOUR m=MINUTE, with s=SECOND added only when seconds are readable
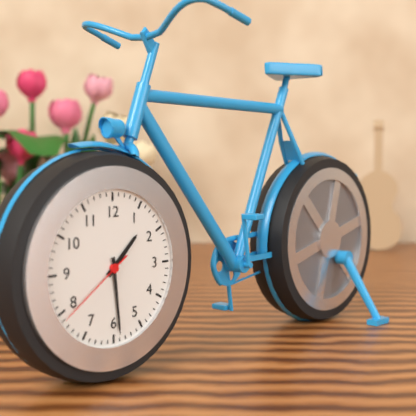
h=1 m=29 s=39
